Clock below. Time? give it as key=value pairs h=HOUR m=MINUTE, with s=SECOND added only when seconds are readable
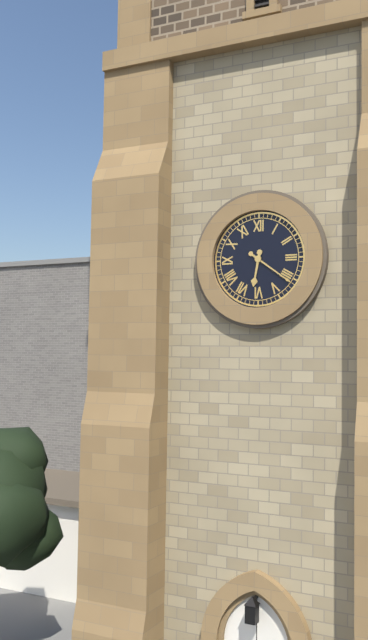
h=6 m=21
